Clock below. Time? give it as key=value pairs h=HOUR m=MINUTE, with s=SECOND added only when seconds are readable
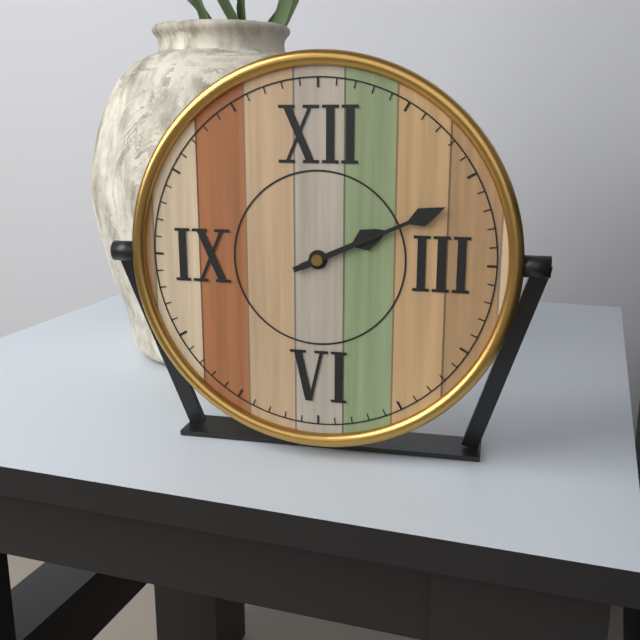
h=2 m=11
